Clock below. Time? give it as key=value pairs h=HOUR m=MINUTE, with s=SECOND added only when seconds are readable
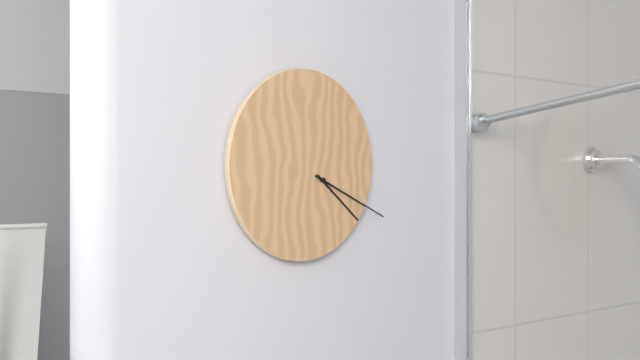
h=4 m=19
